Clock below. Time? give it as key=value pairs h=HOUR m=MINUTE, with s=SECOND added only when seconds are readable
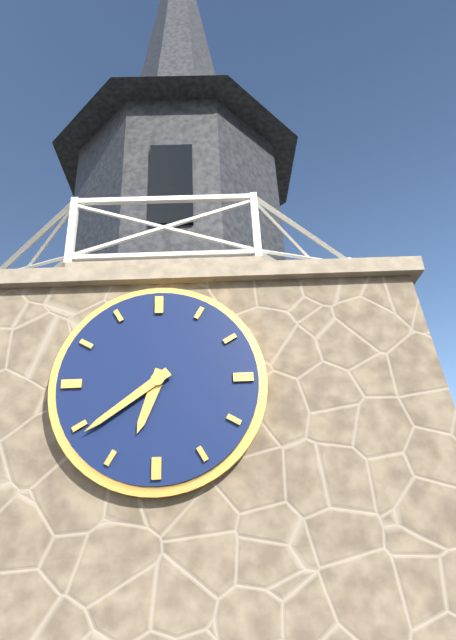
h=6 m=39
